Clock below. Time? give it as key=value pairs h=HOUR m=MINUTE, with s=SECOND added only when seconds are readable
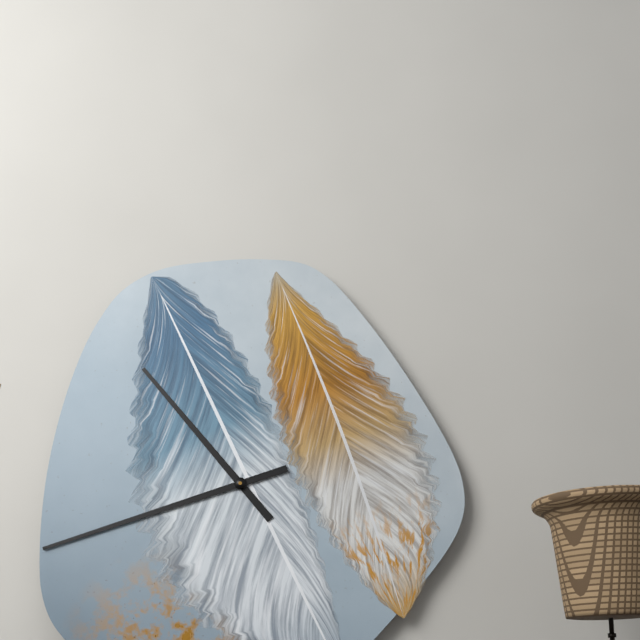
h=10 m=42
